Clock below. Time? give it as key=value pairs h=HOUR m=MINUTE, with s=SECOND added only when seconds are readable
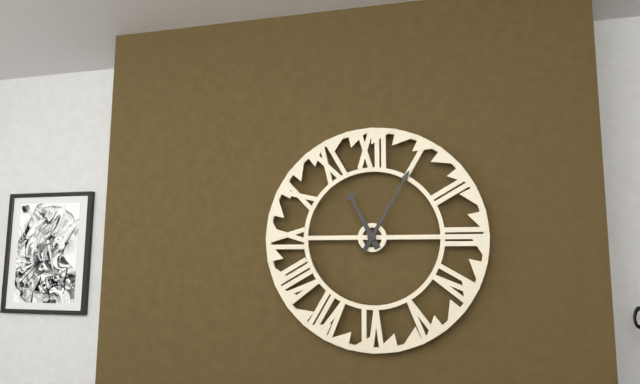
h=11 m=5
